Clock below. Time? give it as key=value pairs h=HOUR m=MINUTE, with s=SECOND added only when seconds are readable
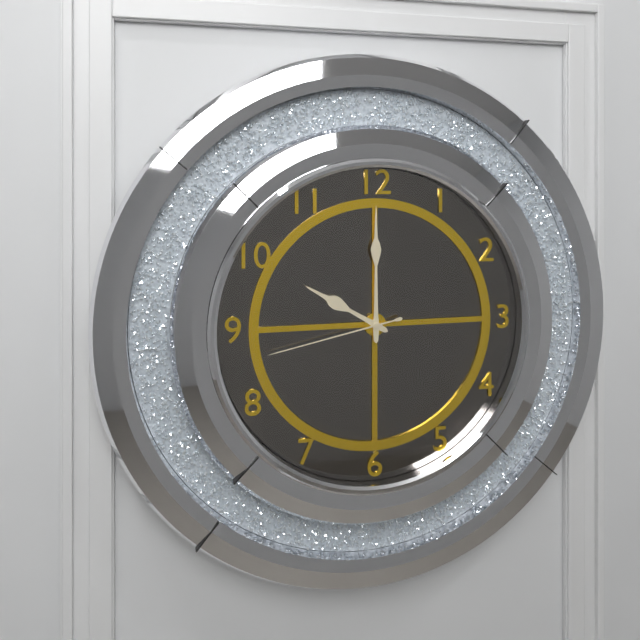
h=10 m=0 s=43
